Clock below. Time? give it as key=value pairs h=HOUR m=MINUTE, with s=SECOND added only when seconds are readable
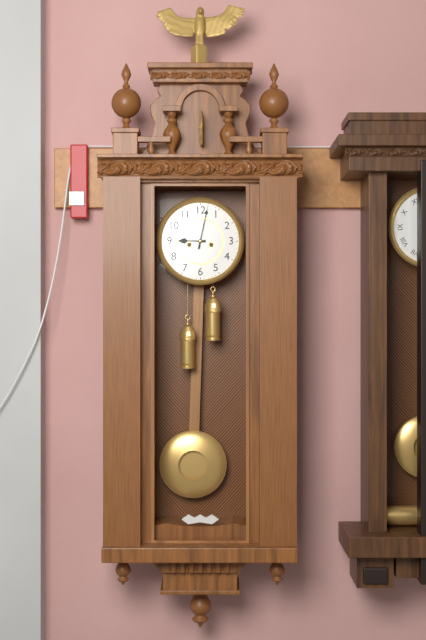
h=9 m=2
